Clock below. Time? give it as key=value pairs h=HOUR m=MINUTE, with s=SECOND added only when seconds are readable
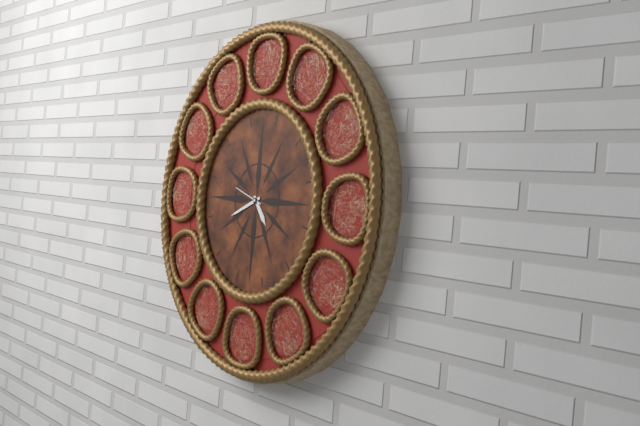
h=4 m=41
